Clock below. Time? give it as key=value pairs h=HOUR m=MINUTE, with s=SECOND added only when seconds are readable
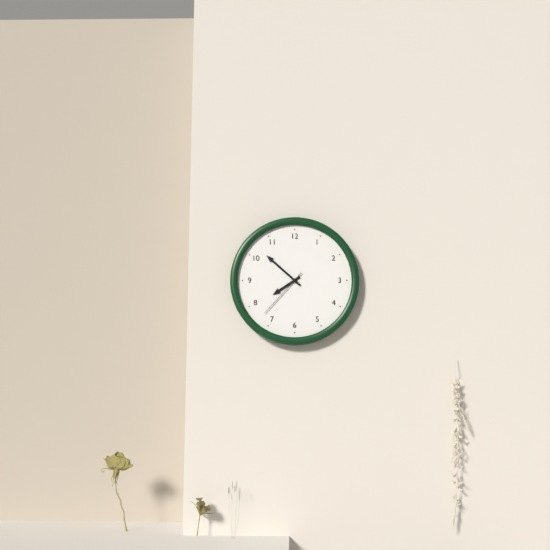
h=7 m=52 s=37
